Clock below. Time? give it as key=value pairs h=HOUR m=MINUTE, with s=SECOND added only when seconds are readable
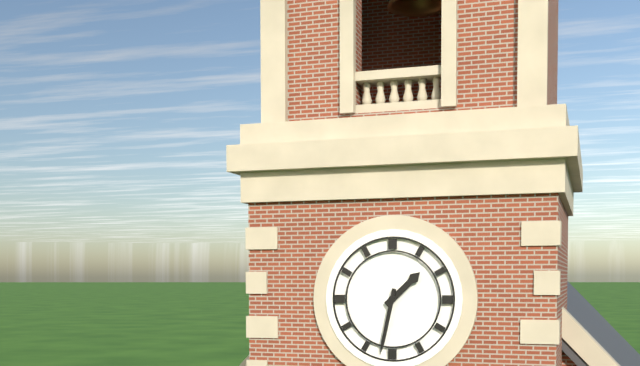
h=1 m=32
